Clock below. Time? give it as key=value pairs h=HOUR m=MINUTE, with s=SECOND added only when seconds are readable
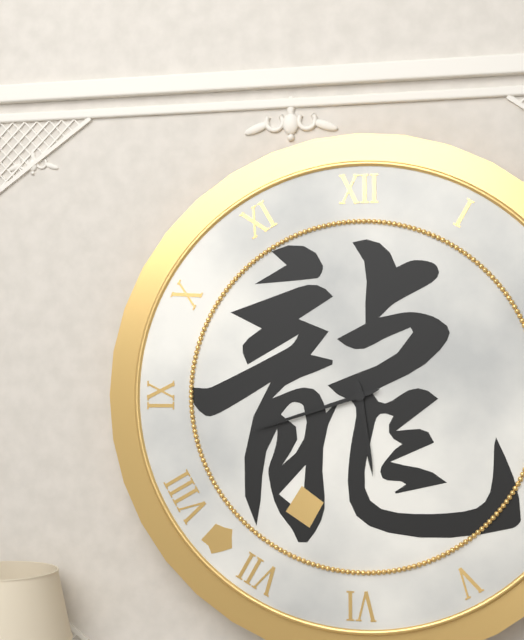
h=5 m=42
